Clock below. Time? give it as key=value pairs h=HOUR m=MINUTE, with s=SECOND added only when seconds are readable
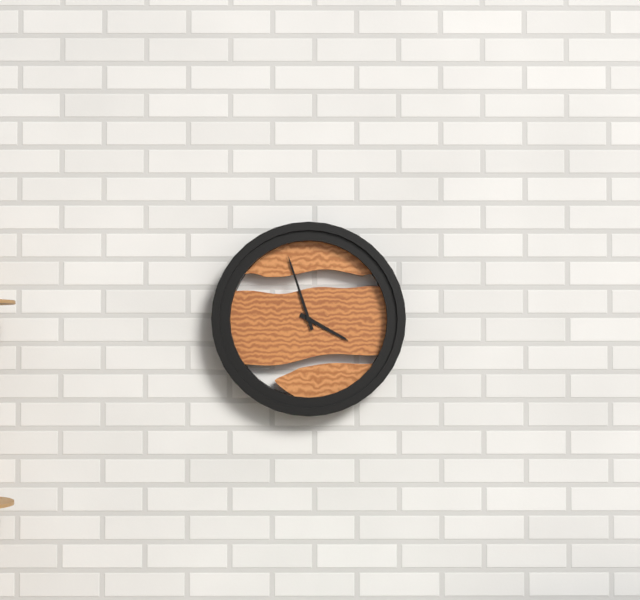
h=3 m=57
